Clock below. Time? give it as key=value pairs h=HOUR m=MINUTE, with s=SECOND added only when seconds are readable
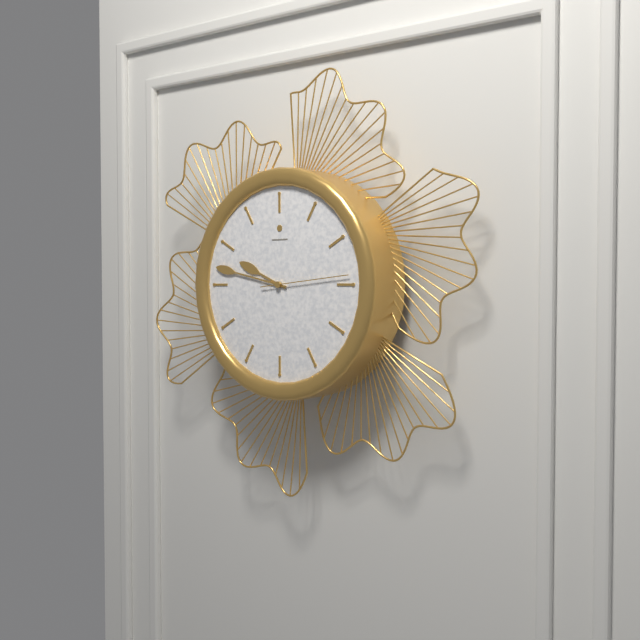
h=9 m=47 s=14
